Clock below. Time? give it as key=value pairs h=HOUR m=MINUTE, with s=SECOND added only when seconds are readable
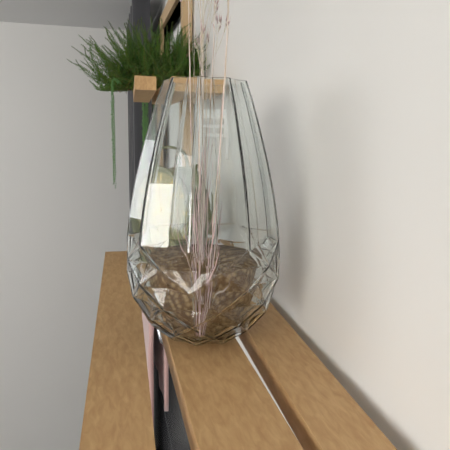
h=7 m=59
